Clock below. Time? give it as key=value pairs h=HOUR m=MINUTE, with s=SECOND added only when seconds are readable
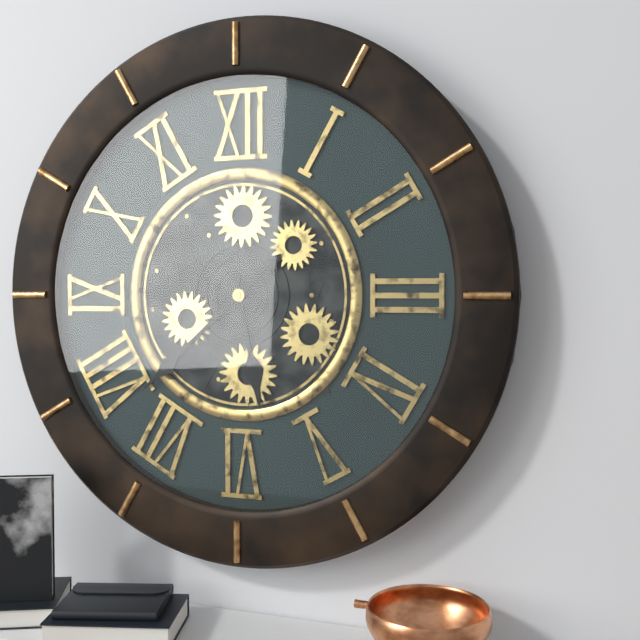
h=5 m=38
